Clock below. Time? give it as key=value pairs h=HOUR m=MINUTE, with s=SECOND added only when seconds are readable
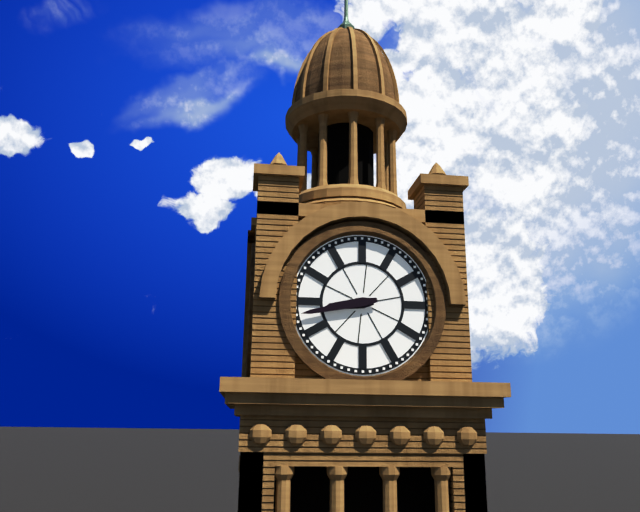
h=8 m=43
